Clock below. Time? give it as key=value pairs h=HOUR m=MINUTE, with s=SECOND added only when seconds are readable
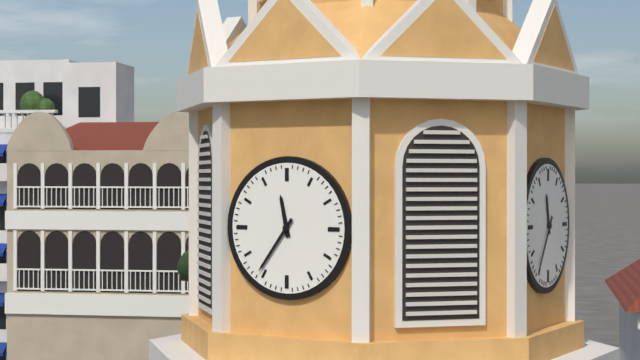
h=11 m=36
